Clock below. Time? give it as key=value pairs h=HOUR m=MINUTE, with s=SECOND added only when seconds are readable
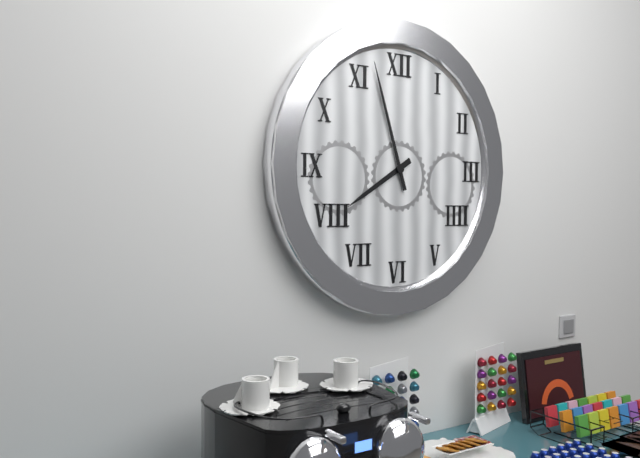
h=7 m=57
